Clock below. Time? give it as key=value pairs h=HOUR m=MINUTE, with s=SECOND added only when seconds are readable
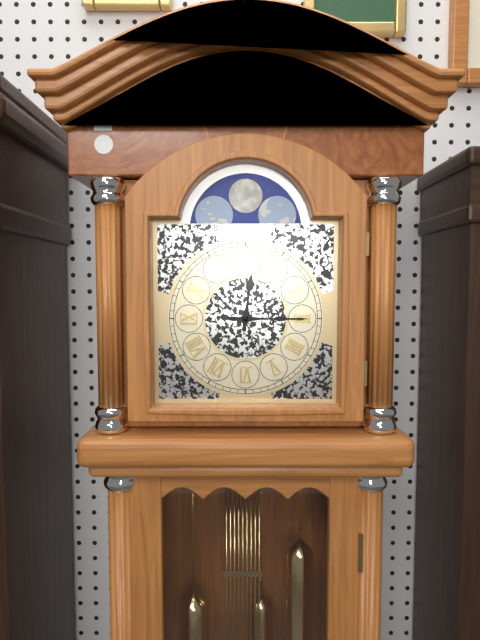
h=12 m=15
